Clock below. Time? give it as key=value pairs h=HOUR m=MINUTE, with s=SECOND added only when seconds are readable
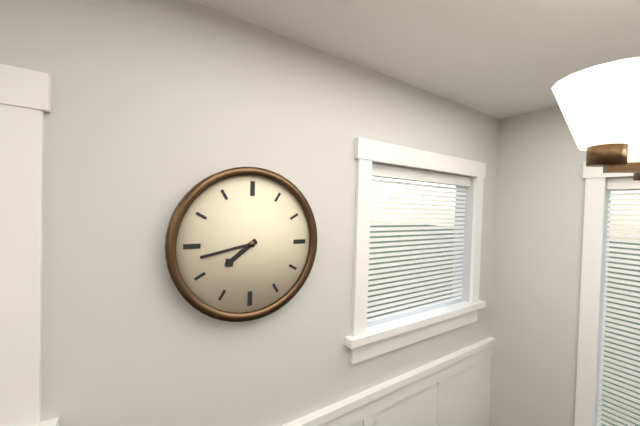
h=7 m=43
